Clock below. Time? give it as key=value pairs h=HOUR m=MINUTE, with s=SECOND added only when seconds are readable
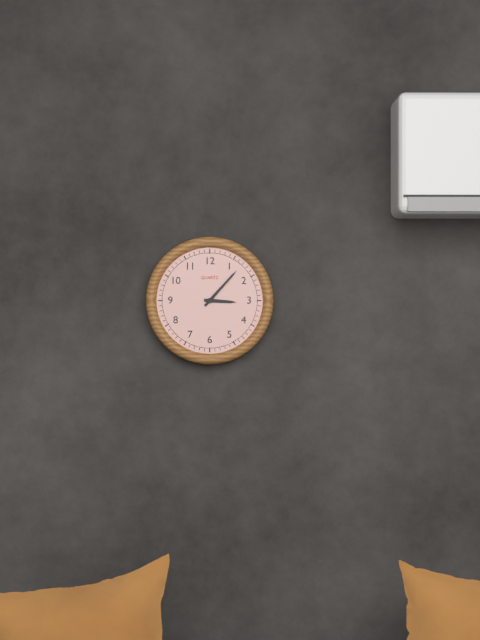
h=3 m=7
